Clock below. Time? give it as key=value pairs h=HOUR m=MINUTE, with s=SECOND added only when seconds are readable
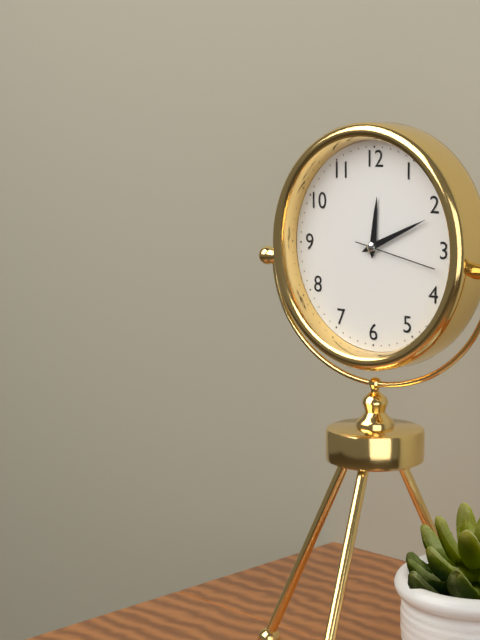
h=12 m=11 s=17
